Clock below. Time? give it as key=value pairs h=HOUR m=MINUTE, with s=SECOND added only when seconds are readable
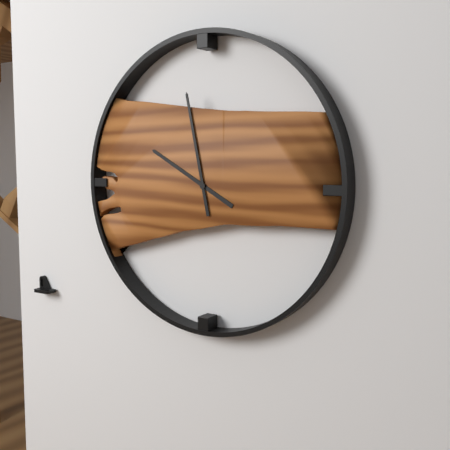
h=9 m=58
